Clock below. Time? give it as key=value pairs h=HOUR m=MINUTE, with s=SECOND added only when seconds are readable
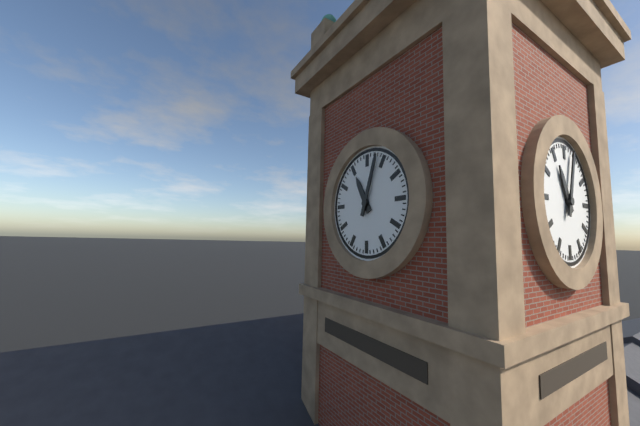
h=11 m=3
